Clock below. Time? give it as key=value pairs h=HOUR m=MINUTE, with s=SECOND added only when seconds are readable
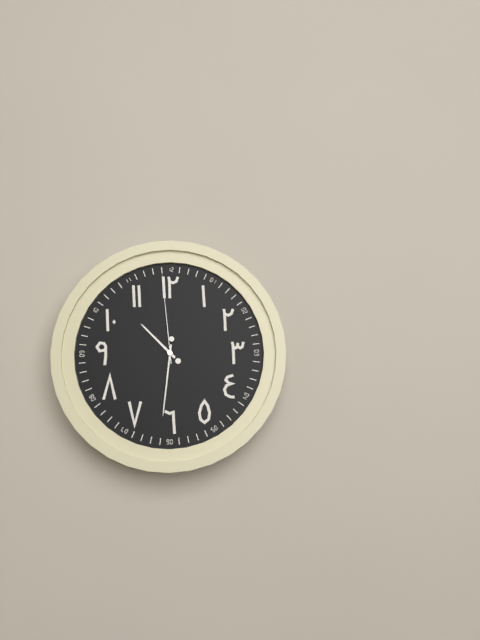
h=10 m=31 s=59
